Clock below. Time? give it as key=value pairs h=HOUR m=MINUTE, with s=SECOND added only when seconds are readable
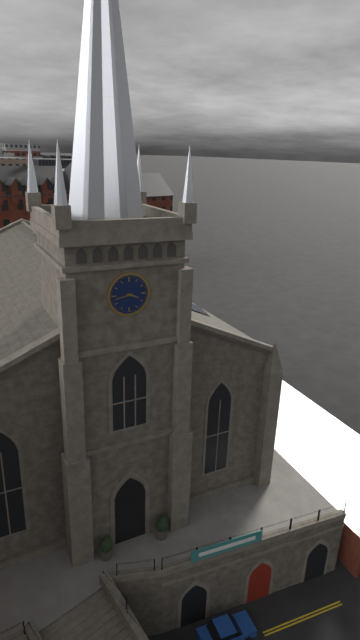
h=3 m=43
